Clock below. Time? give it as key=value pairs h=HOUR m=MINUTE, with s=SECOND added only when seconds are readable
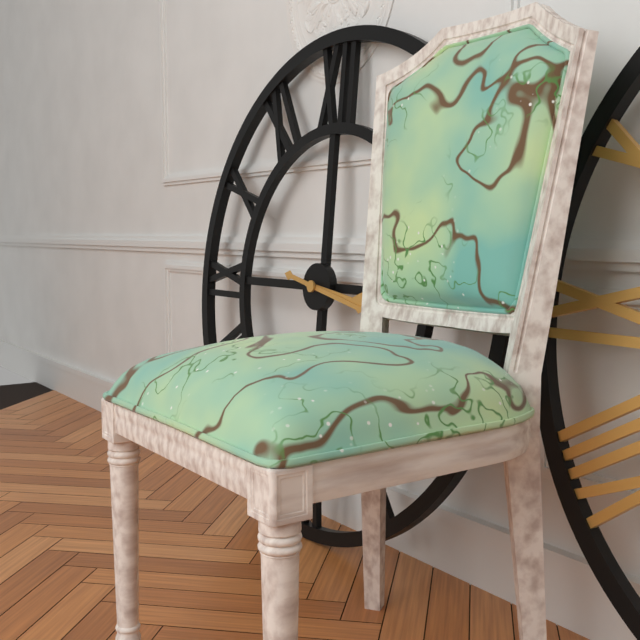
h=3 m=17
